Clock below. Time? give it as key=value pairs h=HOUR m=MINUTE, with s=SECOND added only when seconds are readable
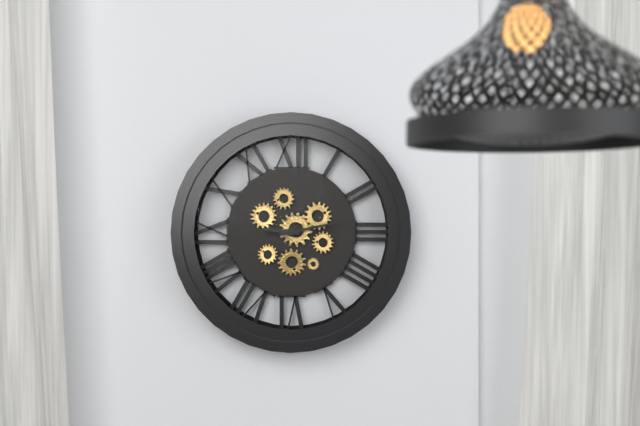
h=9 m=13
